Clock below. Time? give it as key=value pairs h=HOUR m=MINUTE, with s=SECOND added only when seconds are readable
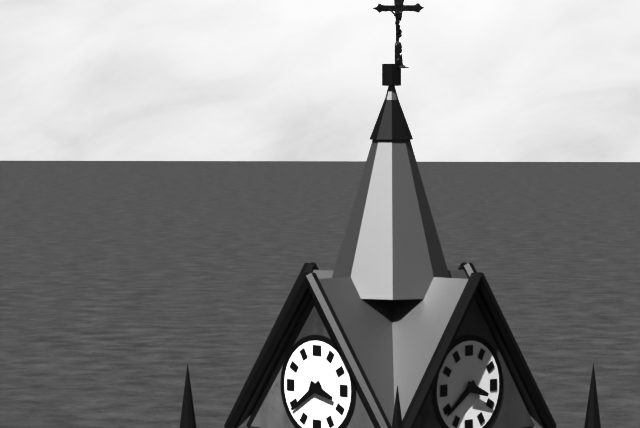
h=3 m=39
